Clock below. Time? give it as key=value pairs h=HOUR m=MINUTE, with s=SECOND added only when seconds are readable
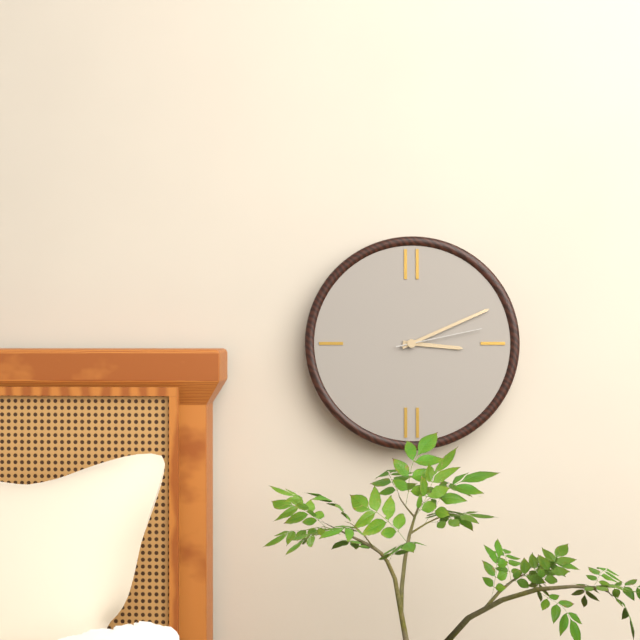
h=3 m=11 s=13
